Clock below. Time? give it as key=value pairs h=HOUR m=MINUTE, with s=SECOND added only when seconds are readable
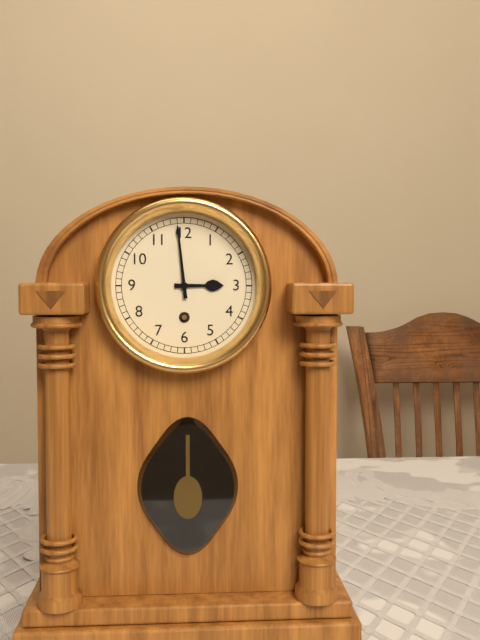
h=2 m=59
